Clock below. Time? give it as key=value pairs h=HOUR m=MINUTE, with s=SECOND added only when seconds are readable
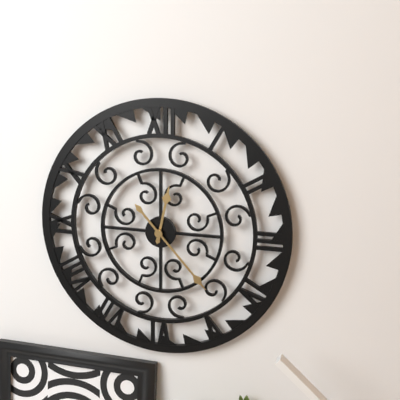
h=12 m=23
